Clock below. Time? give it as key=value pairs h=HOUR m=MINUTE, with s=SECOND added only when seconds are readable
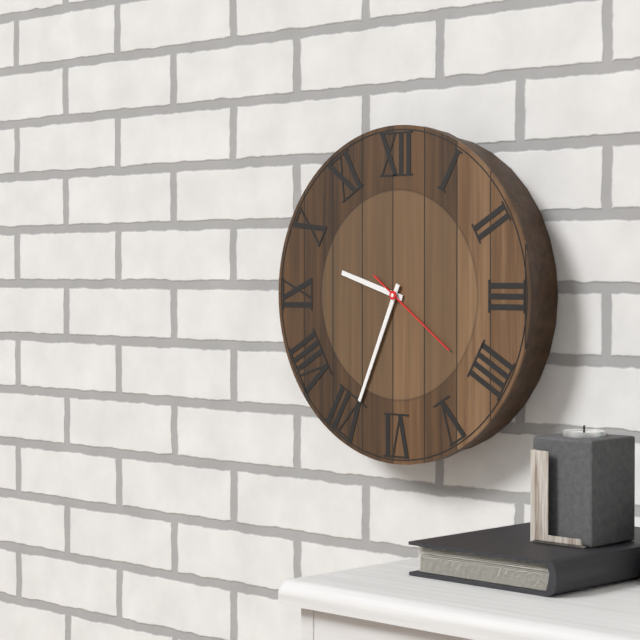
h=9 m=34 s=21
